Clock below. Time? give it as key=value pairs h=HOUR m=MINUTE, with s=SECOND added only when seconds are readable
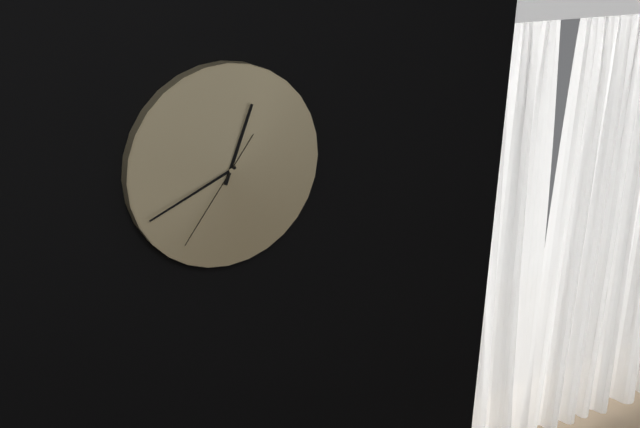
h=12 m=41 s=36
